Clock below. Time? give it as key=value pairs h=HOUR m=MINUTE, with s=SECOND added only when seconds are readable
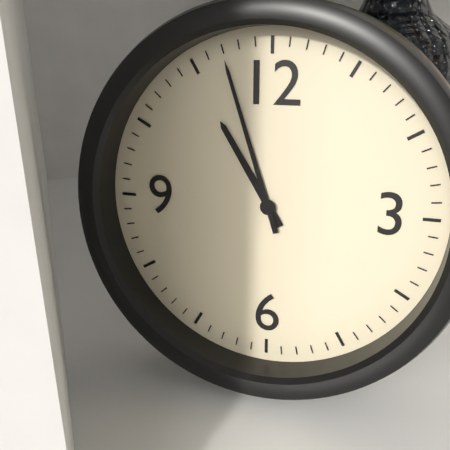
h=10 m=57
